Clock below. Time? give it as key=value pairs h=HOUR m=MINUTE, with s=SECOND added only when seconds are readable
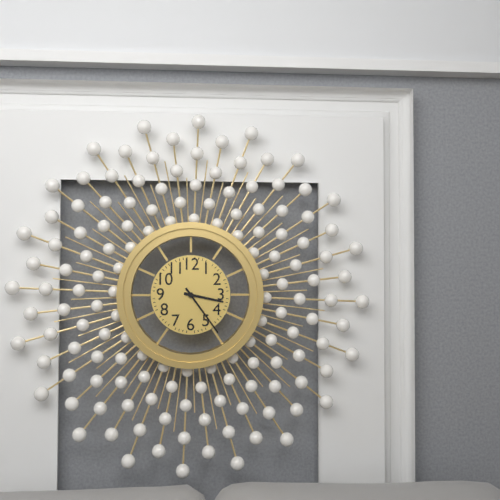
h=3 m=24
